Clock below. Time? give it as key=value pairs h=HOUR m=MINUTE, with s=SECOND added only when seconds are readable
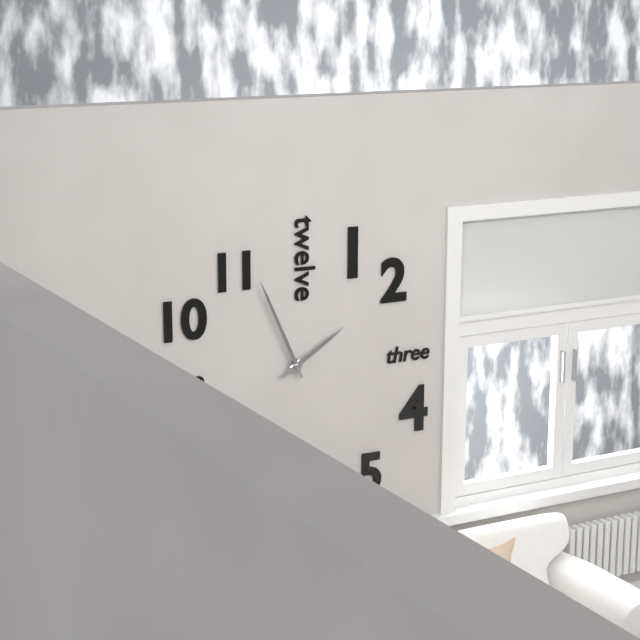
h=1 m=56
